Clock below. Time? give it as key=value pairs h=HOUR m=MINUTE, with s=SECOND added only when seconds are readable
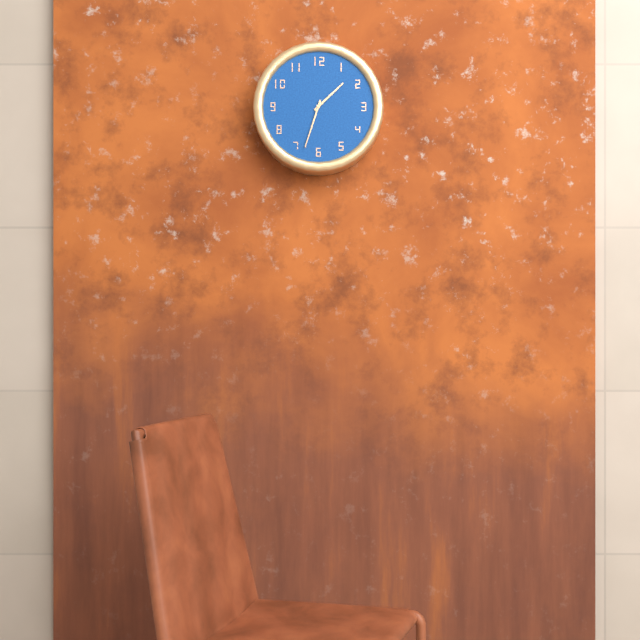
h=1 m=33
